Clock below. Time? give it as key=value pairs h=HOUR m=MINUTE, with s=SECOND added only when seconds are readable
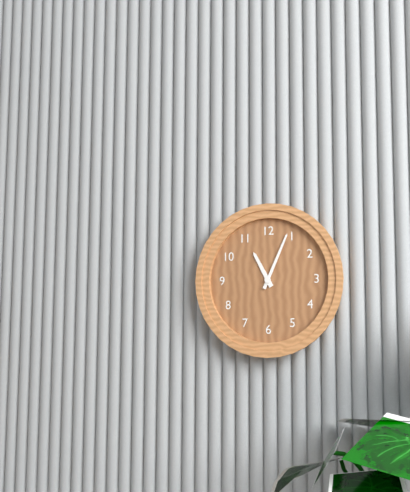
h=11 m=4
